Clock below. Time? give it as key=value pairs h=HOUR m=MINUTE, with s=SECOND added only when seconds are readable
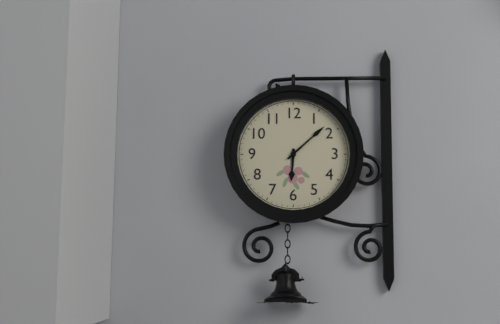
h=6 m=8
